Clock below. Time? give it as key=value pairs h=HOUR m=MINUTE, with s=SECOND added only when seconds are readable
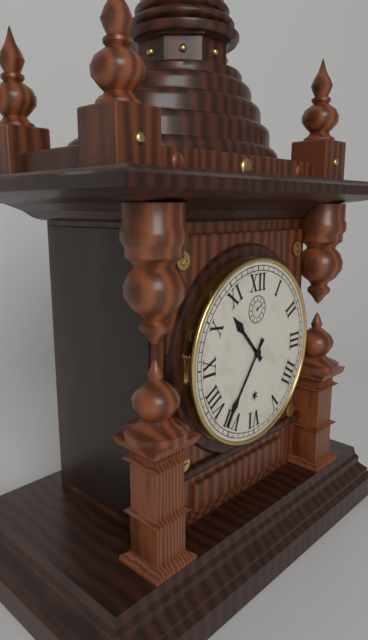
h=10 m=36
